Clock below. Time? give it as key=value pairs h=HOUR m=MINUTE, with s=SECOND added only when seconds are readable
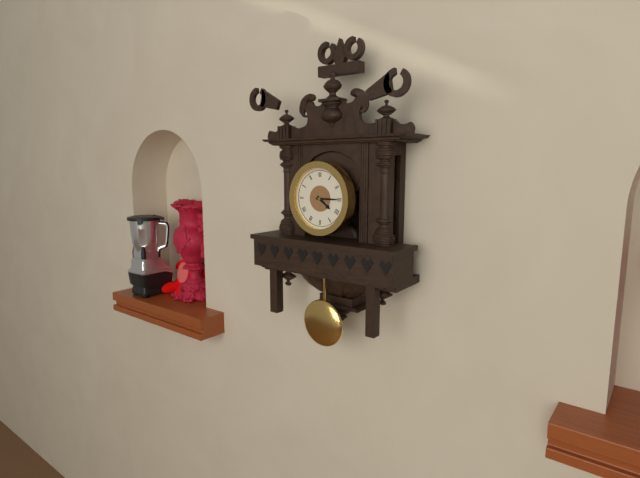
h=4 m=15
